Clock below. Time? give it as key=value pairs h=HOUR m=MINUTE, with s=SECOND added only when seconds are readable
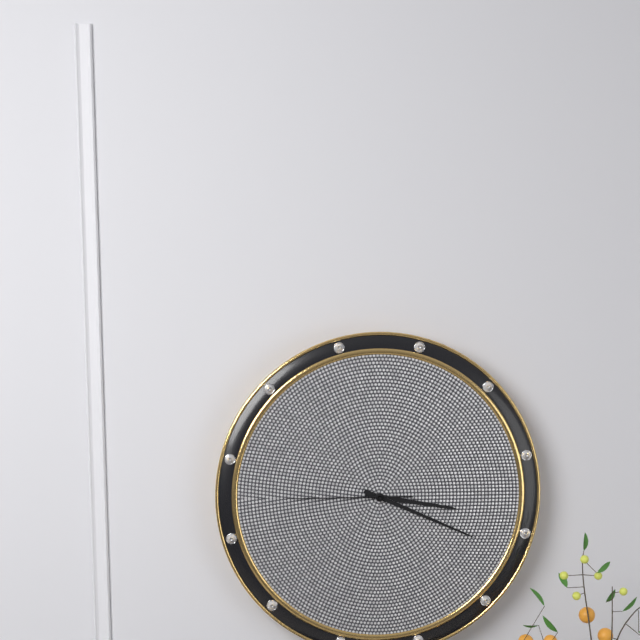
h=3 m=19 s=45
